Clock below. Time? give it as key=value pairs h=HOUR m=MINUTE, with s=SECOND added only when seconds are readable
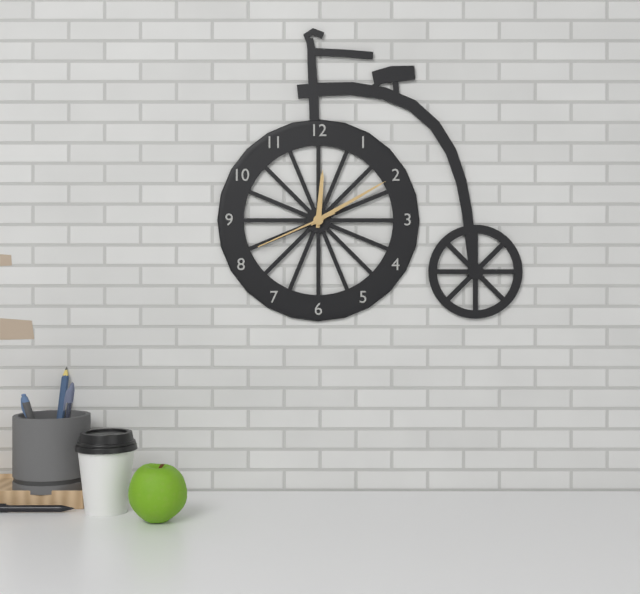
h=12 m=10 s=41
